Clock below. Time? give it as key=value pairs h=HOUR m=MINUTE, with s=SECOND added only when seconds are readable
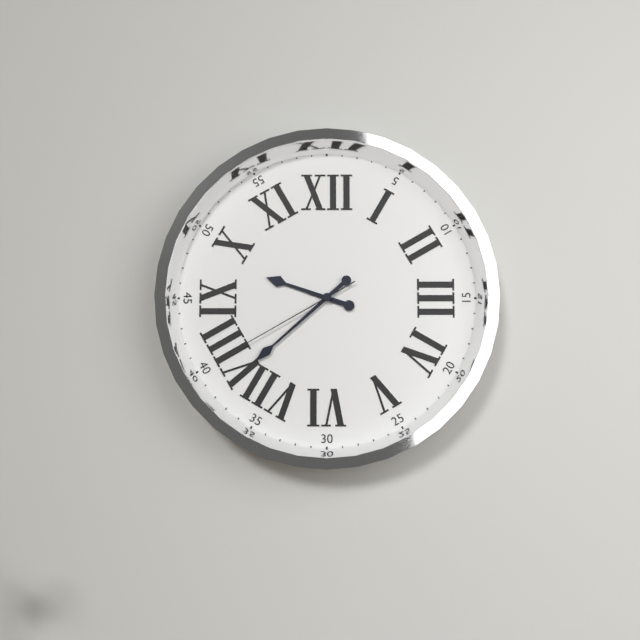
h=9 m=38 s=40
